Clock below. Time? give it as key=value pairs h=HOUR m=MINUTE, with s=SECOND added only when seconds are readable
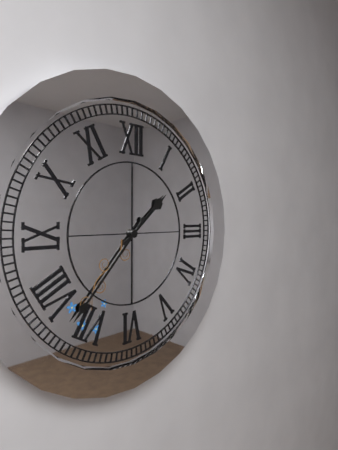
h=1 m=37
